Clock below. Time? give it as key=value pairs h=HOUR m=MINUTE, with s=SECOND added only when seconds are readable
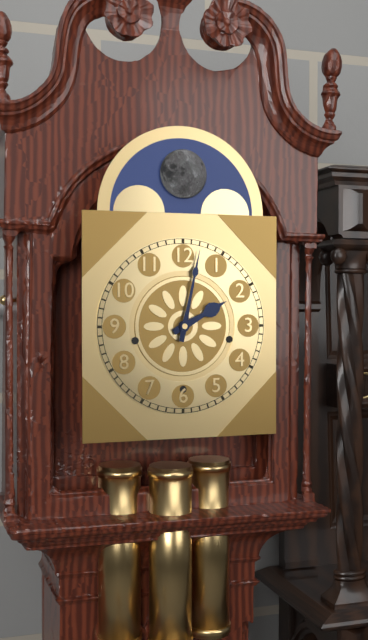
h=2 m=2
